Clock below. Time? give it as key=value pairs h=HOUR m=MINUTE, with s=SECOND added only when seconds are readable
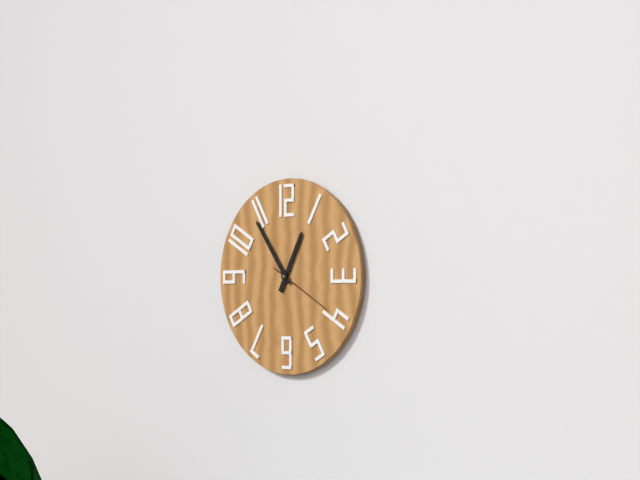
h=12 m=54 s=20
